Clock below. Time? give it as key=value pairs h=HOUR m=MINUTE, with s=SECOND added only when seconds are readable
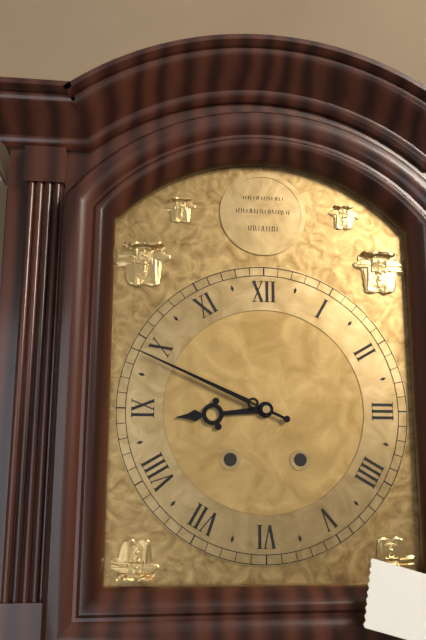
h=8 m=49
